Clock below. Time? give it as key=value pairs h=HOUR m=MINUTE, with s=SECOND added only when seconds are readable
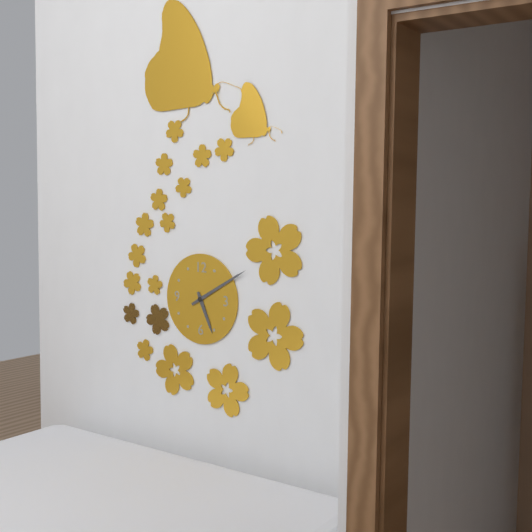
h=5 m=10
